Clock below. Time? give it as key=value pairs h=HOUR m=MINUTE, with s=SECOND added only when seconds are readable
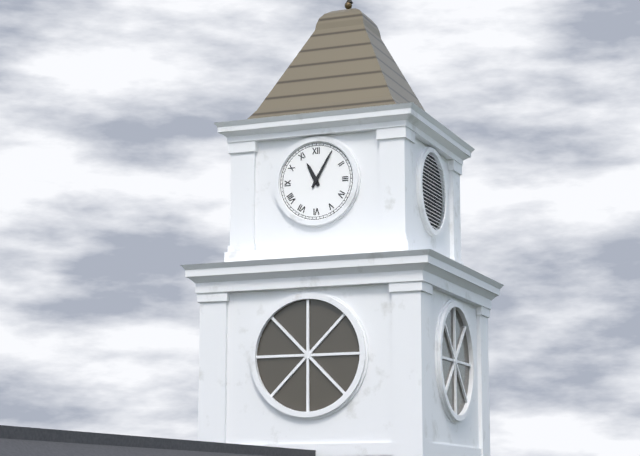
h=11 m=5
